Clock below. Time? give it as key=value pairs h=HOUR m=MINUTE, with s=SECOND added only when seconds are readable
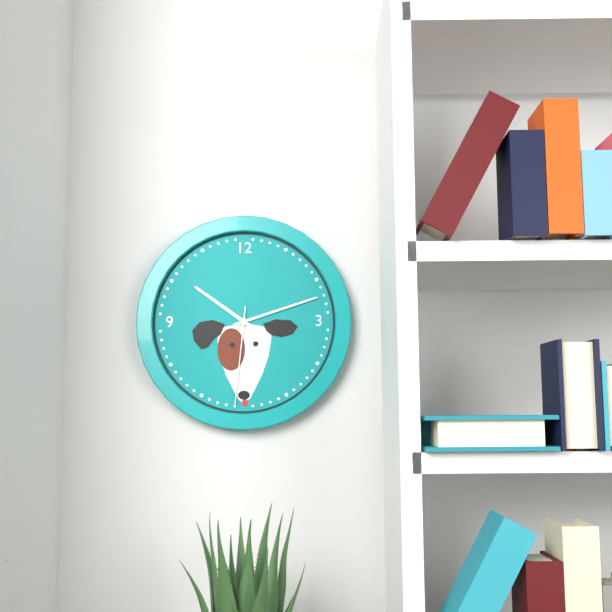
h=10 m=12 s=31
